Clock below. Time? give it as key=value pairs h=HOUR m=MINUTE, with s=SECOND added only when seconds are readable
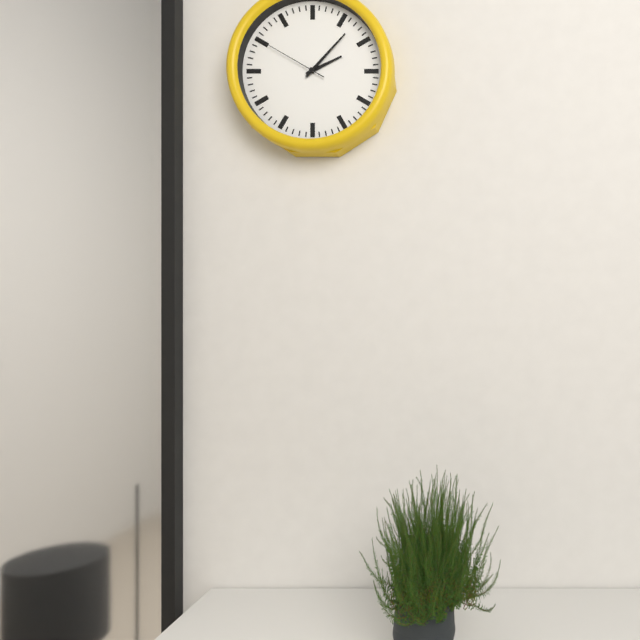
h=2 m=7 s=50
